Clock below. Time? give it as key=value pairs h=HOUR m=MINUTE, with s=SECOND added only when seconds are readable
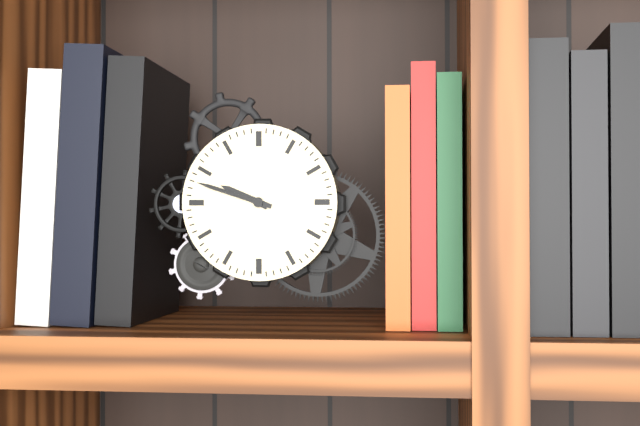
h=9 m=48
